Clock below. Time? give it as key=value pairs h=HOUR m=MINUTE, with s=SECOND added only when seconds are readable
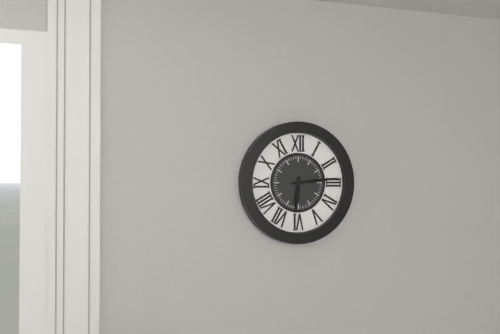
h=6 m=14
